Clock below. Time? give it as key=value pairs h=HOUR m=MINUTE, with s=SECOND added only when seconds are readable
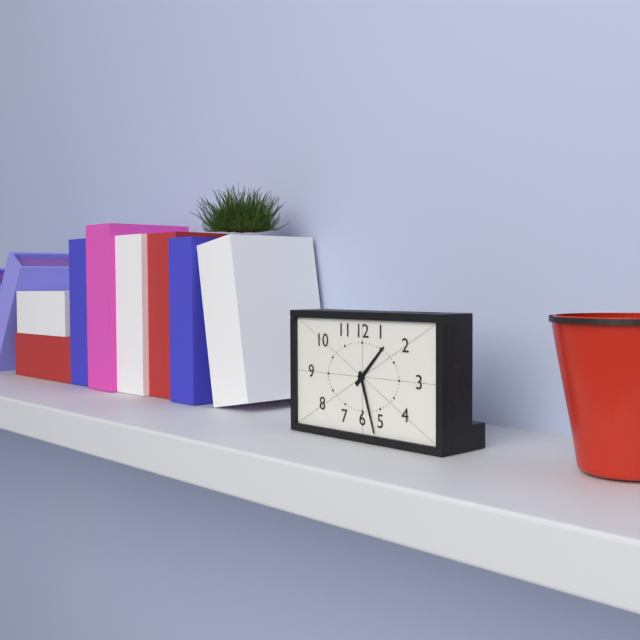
h=1 m=27
